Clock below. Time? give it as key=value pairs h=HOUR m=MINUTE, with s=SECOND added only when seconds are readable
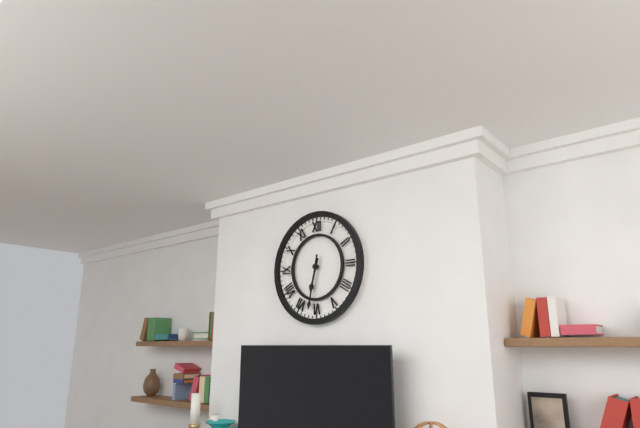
h=6 m=32
